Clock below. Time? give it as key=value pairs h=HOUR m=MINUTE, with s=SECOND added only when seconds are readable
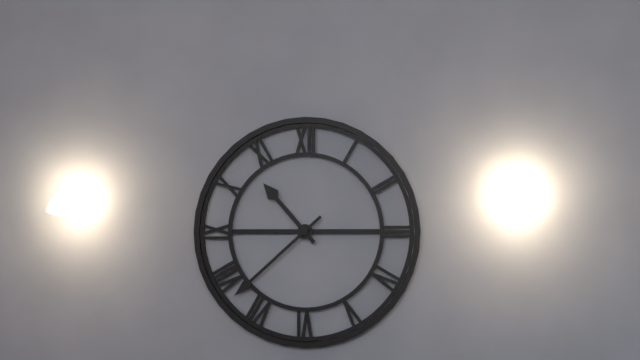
h=10 m=38
